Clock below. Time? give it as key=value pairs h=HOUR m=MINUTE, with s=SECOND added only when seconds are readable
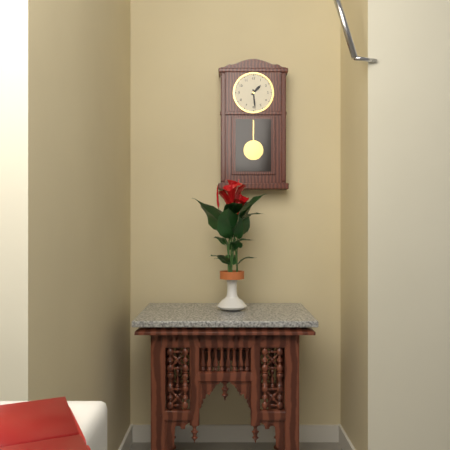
h=1 m=29
